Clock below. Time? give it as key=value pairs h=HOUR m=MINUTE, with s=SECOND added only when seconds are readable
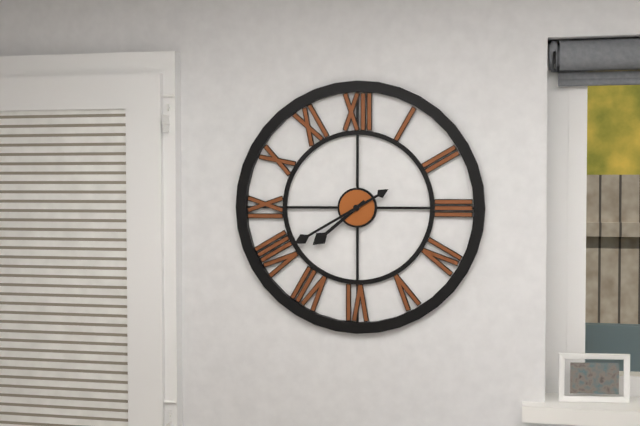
h=7 m=40
